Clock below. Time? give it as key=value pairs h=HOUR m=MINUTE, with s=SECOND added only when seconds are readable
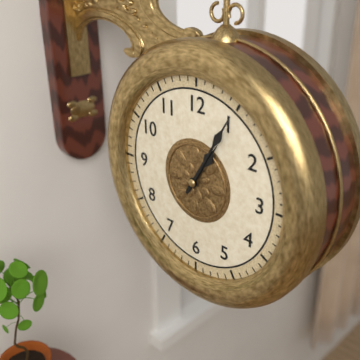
h=1 m=5
